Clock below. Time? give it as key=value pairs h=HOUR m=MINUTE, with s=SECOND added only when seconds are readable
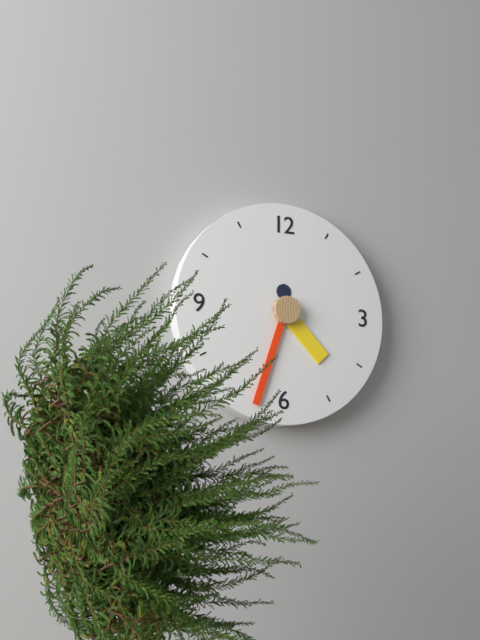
h=4 m=33
